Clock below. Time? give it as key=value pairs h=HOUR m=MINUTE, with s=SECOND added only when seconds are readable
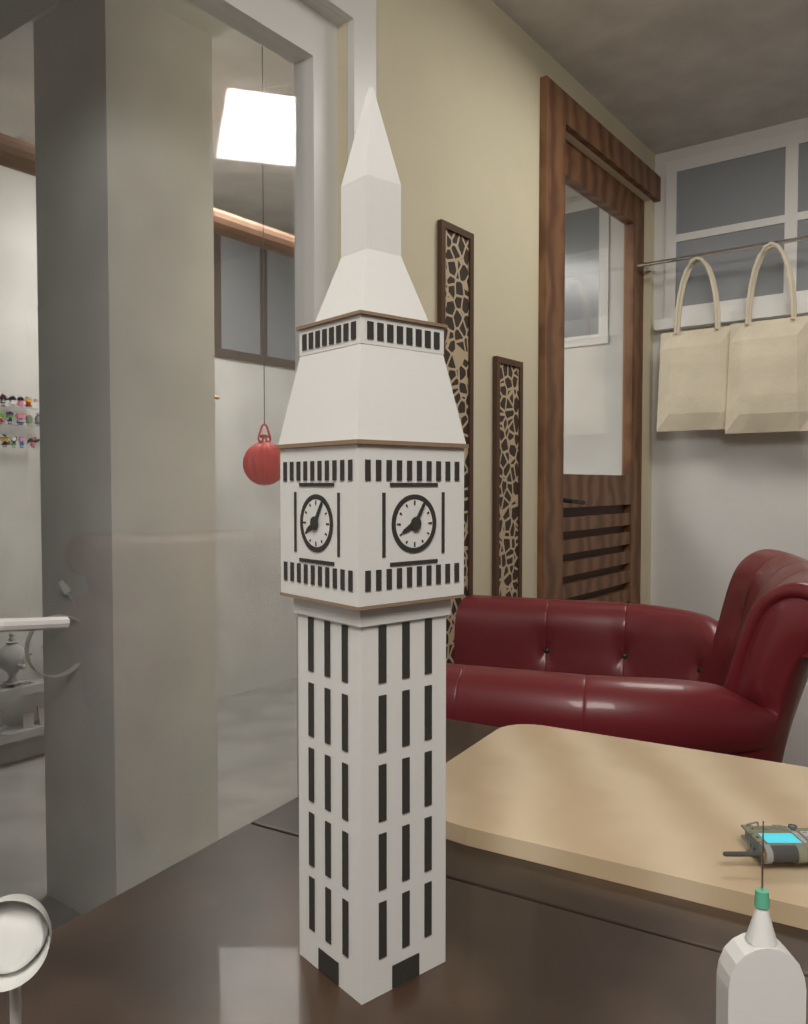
h=8 m=5
